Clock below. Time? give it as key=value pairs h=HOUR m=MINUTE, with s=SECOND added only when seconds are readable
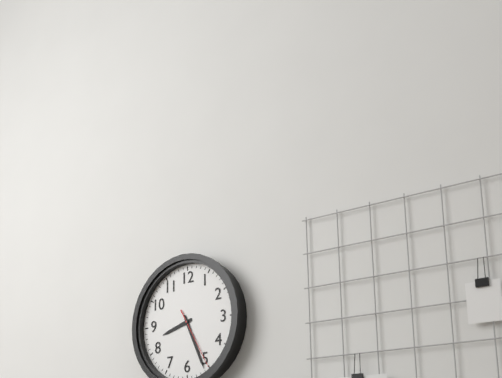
h=8 m=26 s=25
